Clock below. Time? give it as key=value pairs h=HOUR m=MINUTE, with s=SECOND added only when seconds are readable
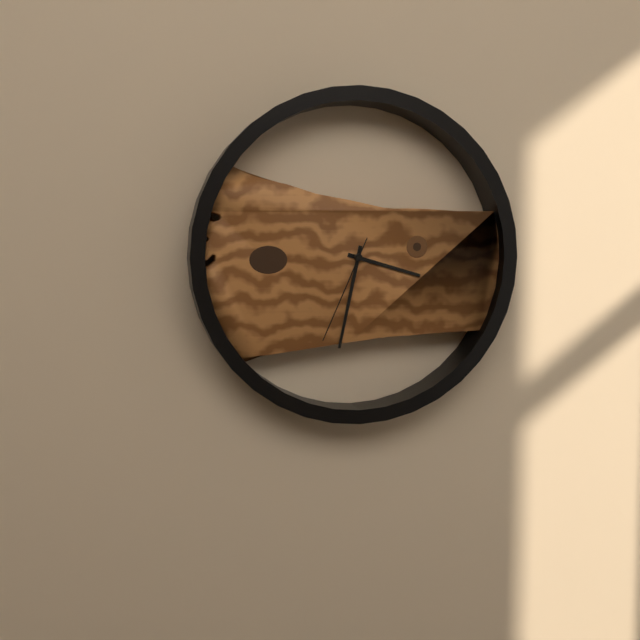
h=3 m=32 s=34
